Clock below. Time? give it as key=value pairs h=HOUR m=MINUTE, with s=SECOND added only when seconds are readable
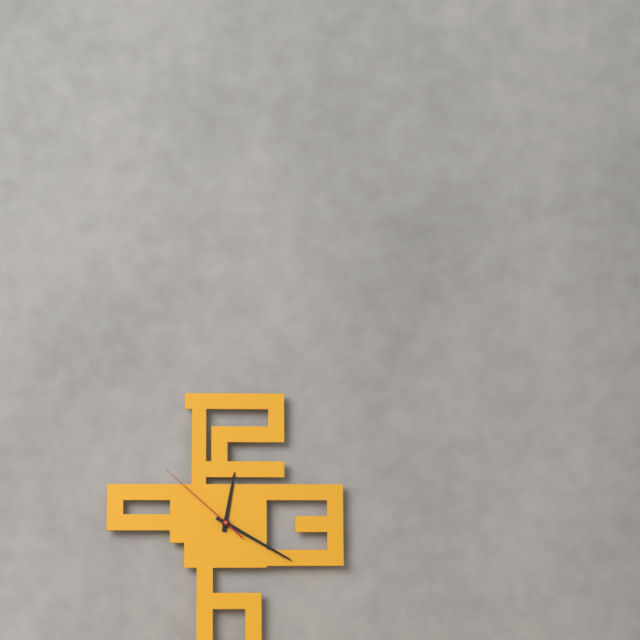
h=12 m=20 s=52
